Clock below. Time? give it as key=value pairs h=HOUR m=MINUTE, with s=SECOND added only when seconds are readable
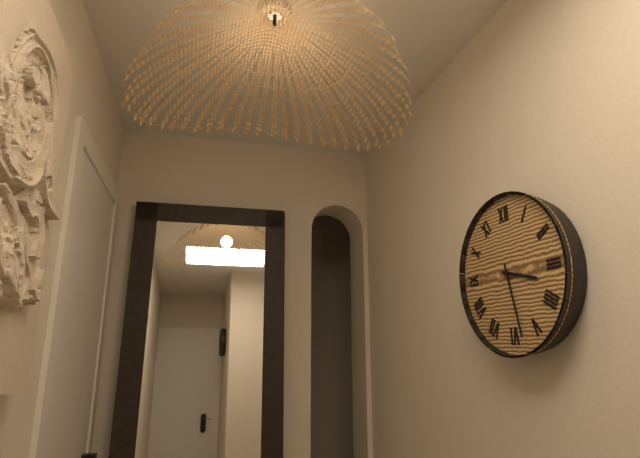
h=3 m=28
